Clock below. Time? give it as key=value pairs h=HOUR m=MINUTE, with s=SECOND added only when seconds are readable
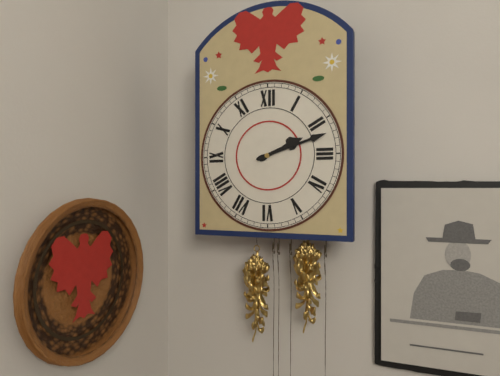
h=2 m=12
